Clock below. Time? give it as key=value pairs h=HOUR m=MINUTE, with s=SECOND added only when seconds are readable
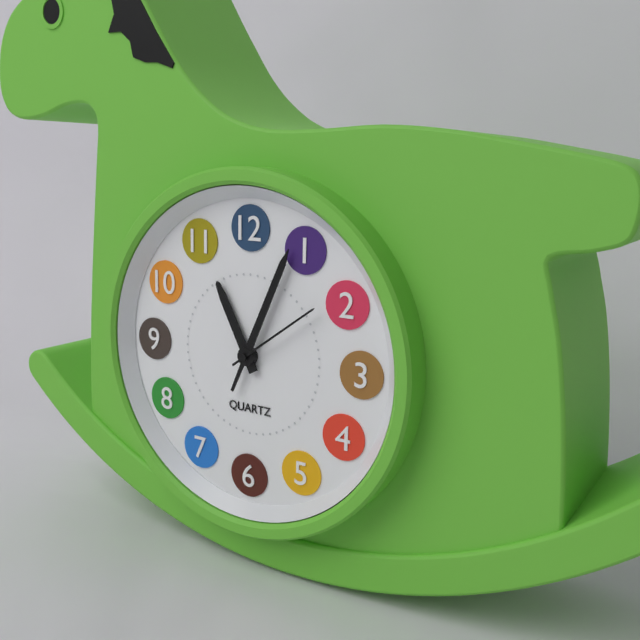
h=11 m=4 s=9
